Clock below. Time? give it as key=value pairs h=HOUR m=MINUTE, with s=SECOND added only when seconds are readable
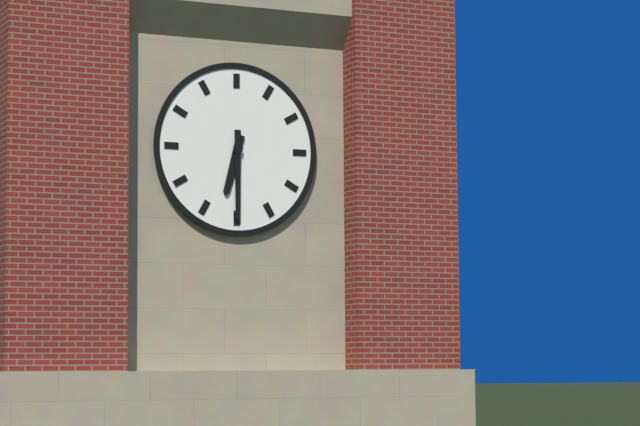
h=6 m=30
